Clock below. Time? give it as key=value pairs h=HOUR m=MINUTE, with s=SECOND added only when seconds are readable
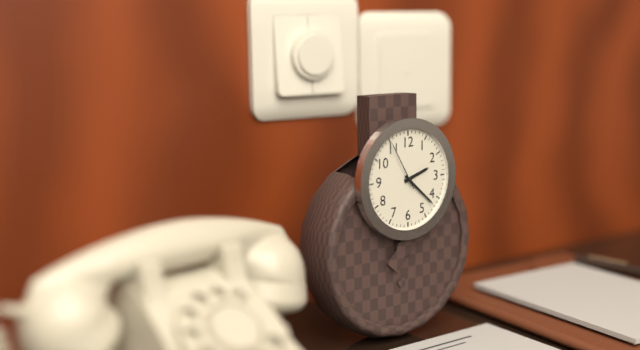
h=2 m=22 s=55
